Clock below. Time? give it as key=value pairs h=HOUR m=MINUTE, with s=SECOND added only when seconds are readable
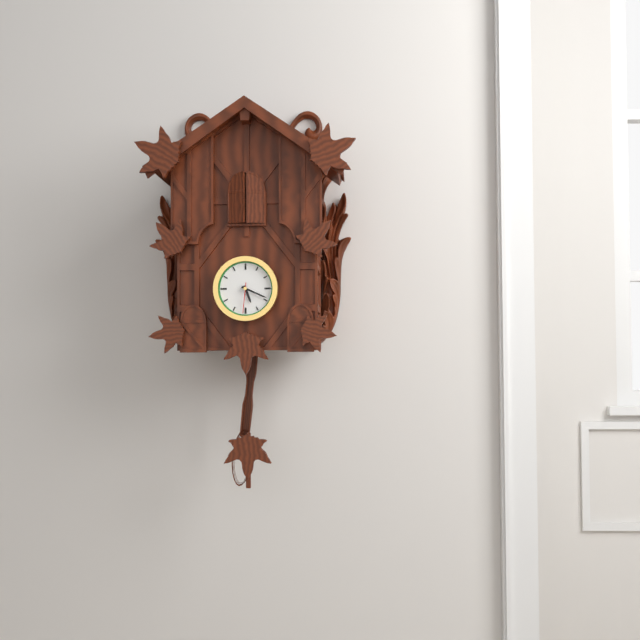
h=5 m=19
